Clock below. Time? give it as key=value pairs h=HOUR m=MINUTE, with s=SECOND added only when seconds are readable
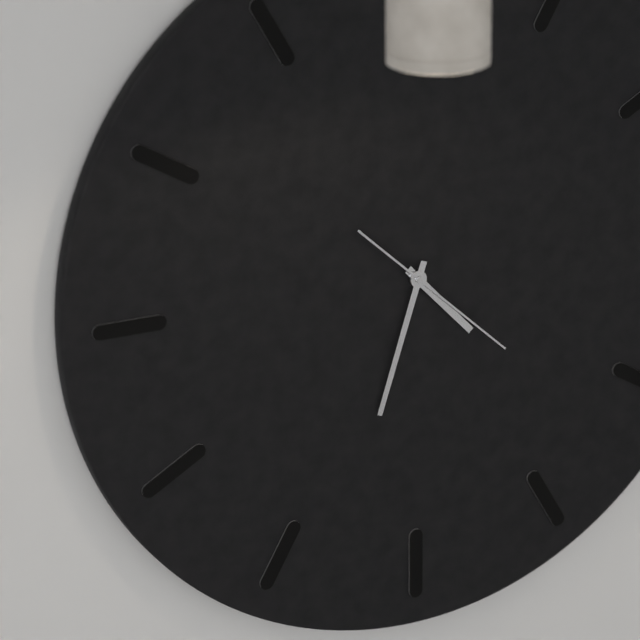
h=4 m=33 s=22
